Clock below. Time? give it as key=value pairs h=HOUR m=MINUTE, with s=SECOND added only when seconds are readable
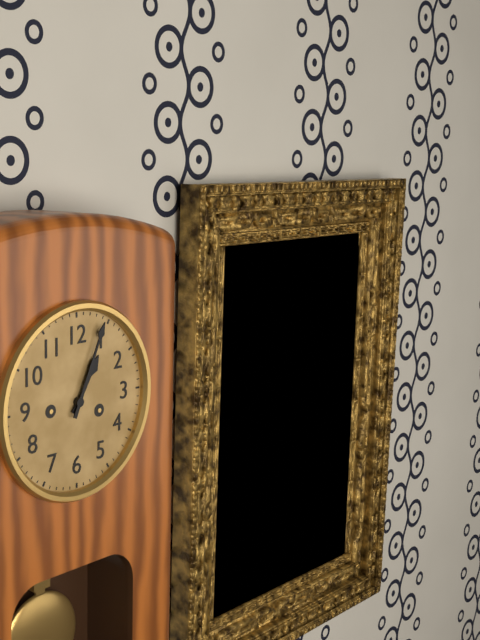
h=1 m=4
